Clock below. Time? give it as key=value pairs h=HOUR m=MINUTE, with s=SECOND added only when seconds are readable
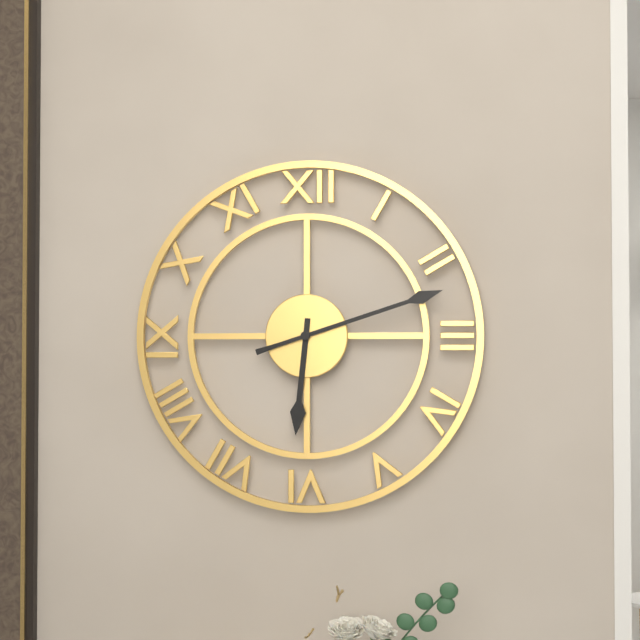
h=6 m=12
